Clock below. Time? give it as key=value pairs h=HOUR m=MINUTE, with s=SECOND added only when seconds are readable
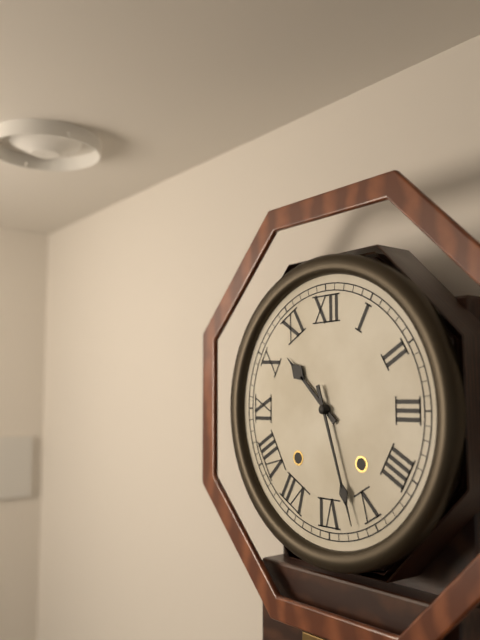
h=10 m=27
